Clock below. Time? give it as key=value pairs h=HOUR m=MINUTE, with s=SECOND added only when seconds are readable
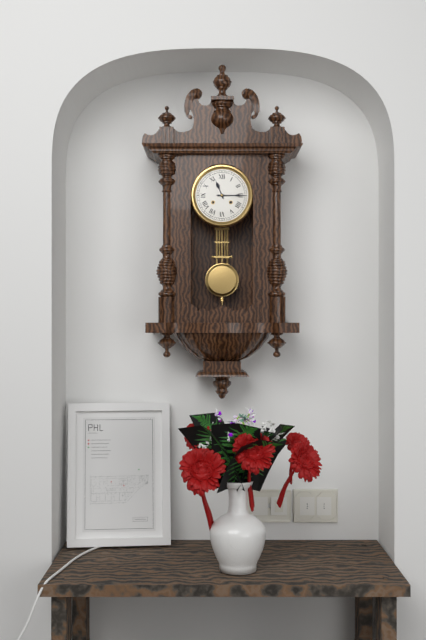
h=11 m=15
